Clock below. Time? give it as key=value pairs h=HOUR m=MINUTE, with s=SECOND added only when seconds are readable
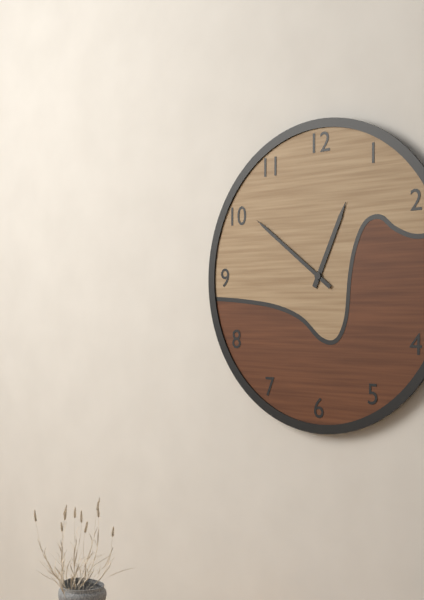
h=12 m=51
